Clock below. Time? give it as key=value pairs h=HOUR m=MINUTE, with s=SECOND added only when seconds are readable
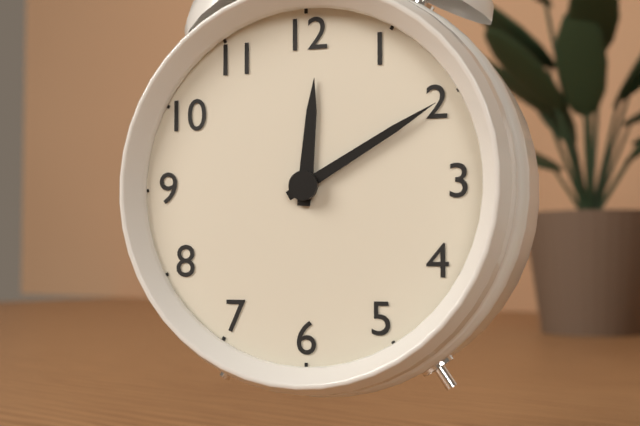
h=12 m=10
